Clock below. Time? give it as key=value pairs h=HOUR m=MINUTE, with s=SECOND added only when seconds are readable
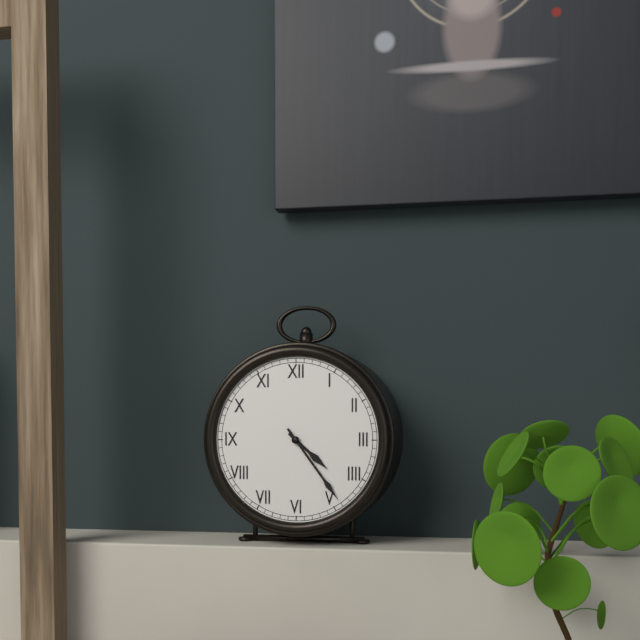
h=4 m=24
